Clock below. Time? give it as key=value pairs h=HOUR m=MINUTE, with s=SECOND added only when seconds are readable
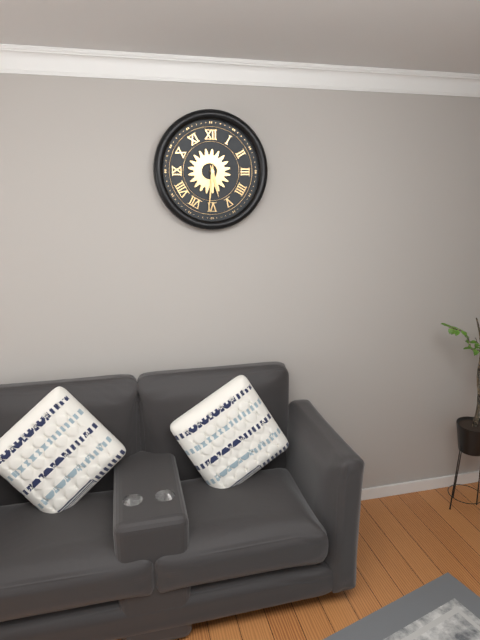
h=5 m=31
